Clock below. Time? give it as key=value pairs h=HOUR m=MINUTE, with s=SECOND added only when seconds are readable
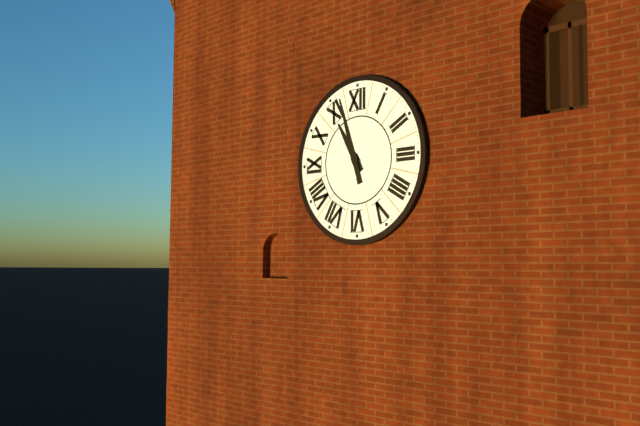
h=10 m=57
